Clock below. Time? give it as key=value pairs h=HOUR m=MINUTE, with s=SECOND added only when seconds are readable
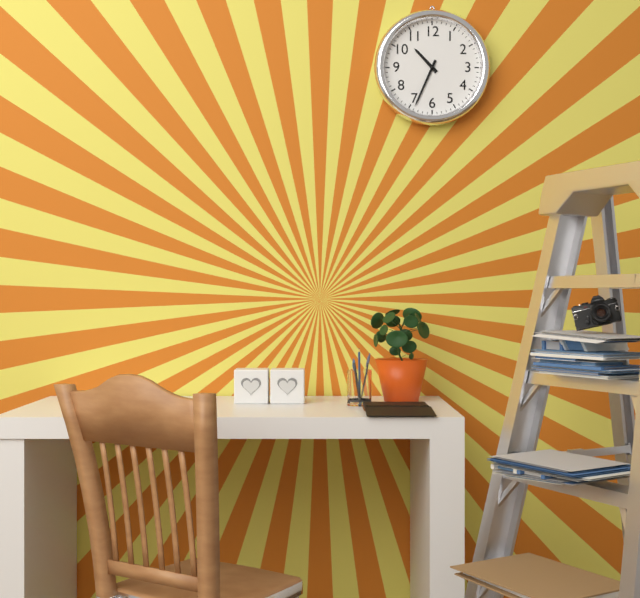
h=10 m=34
